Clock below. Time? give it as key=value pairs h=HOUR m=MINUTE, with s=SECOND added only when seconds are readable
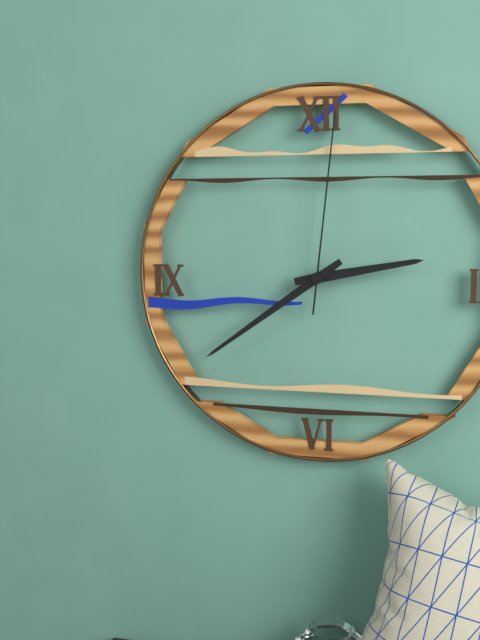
h=2 m=39 s=1
